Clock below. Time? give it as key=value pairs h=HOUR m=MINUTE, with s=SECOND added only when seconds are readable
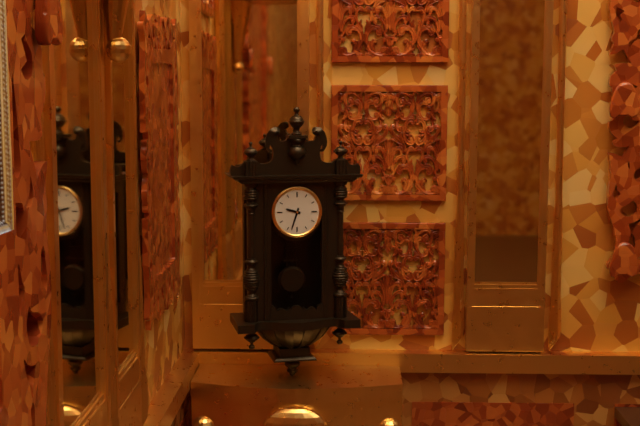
h=9 m=33
